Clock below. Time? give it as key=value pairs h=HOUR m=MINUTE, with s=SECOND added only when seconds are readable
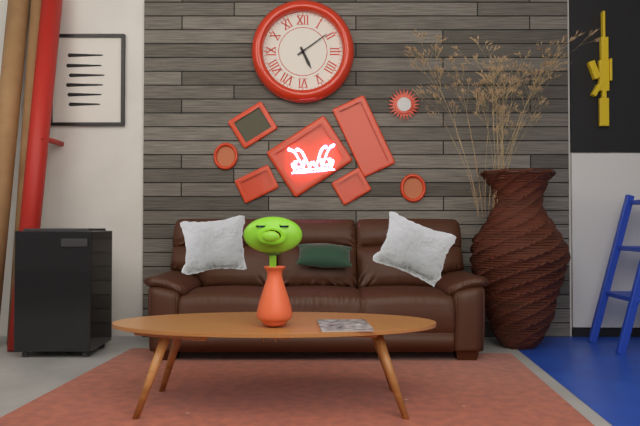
h=5 m=9
